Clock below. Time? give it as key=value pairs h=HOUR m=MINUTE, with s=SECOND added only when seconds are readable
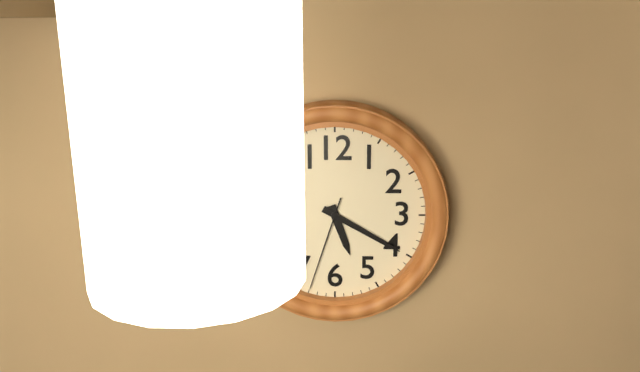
h=5 m=20 s=33
